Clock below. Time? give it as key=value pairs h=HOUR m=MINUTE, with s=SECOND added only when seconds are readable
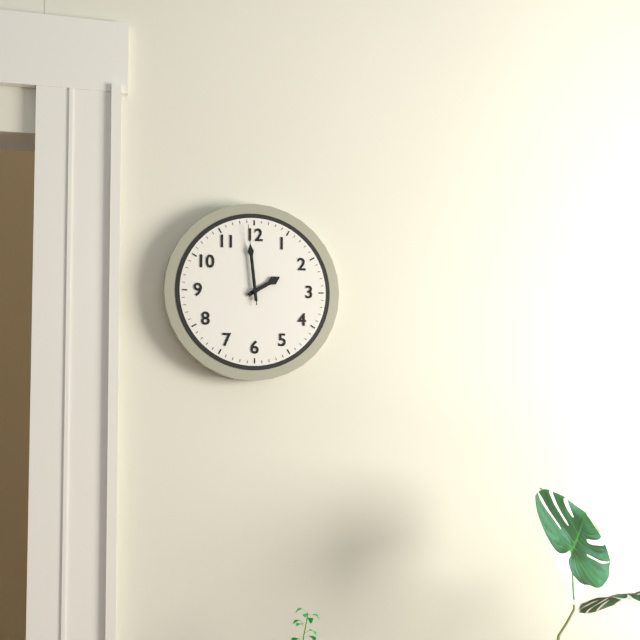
h=1 m=59 s=59
